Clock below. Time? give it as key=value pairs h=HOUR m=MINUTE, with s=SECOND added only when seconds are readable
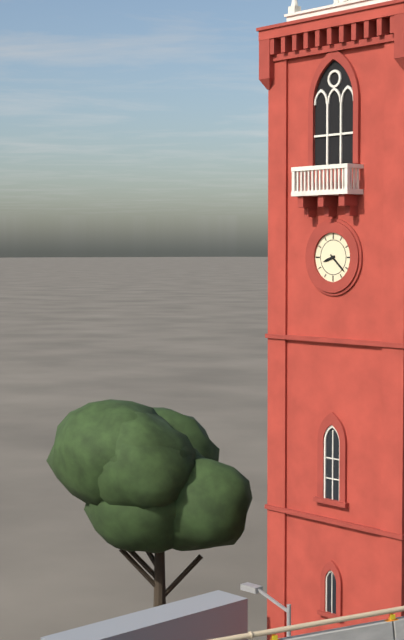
h=8 m=22
